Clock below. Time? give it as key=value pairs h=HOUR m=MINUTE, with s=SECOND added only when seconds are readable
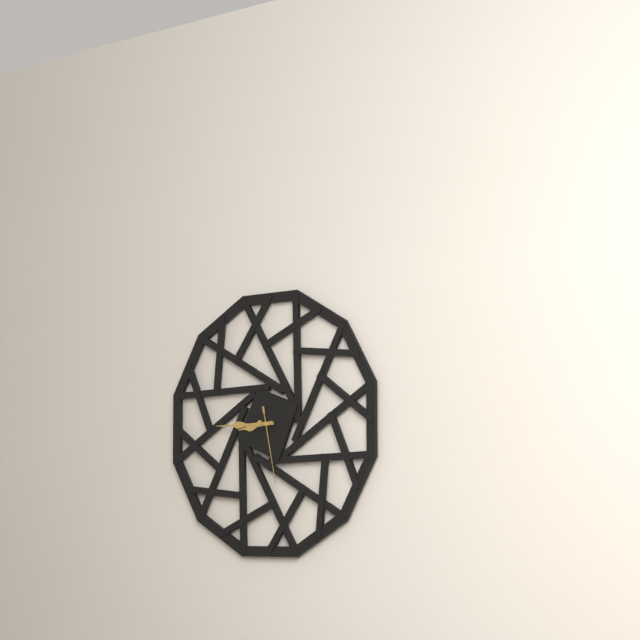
h=8 m=45 s=28
